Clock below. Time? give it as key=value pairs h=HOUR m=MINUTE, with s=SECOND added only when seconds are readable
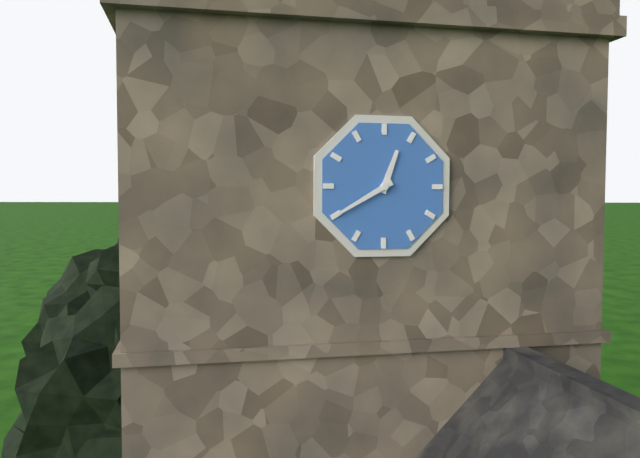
h=12 m=40
